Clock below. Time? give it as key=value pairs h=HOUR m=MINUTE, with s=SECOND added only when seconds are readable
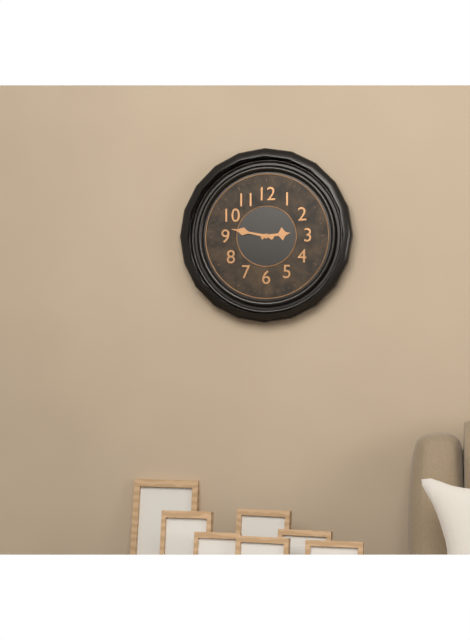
h=2 m=47
